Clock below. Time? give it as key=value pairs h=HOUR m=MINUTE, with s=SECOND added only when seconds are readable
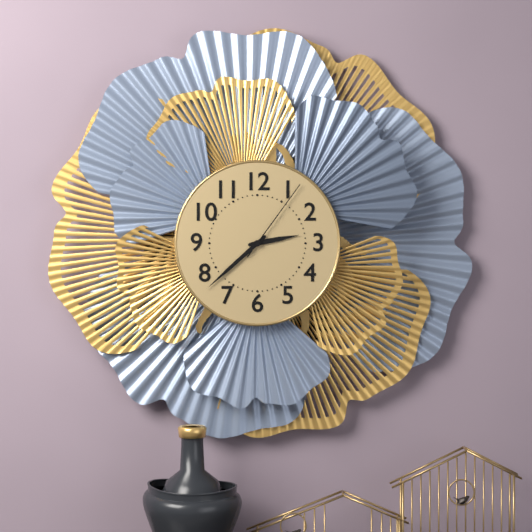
h=2 m=38 s=6
